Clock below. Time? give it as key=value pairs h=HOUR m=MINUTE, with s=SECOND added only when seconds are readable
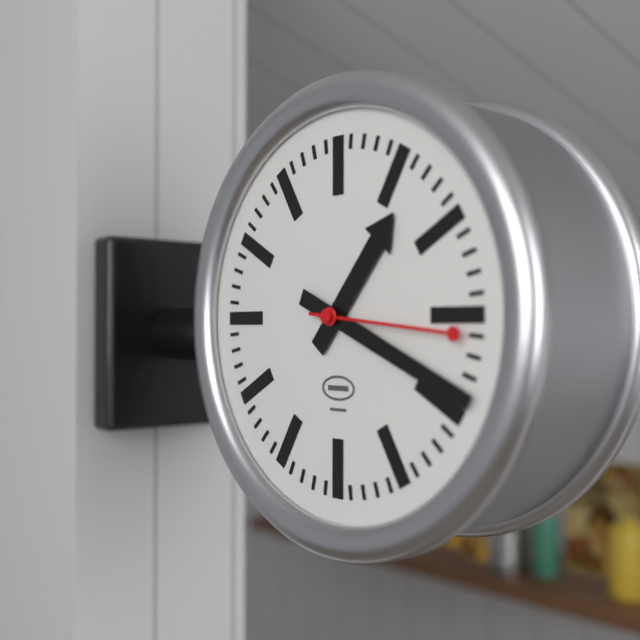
h=1 m=19 s=16
